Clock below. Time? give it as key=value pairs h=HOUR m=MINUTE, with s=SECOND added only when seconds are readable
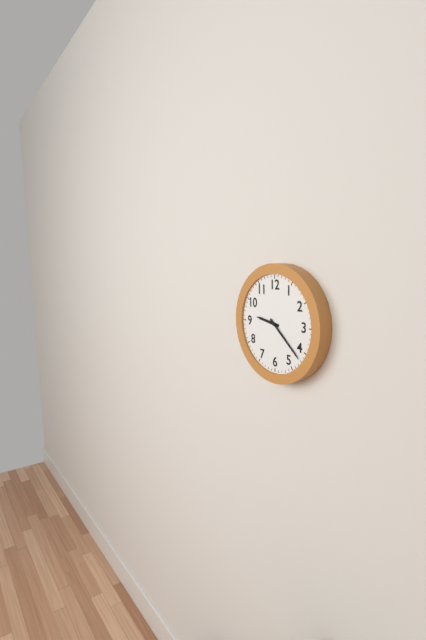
h=9 m=22
